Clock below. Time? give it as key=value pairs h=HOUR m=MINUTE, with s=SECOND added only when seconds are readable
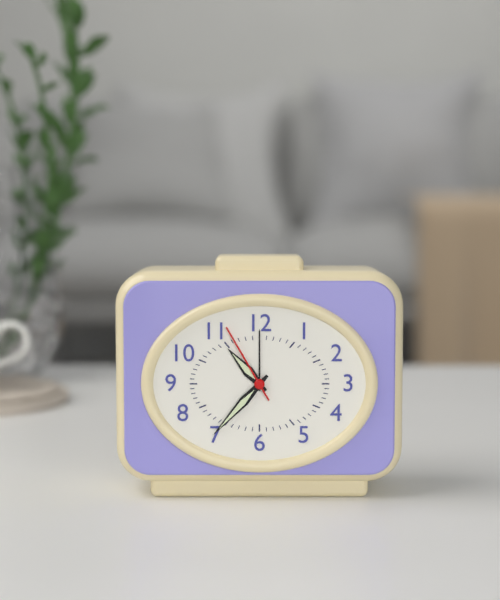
h=10 m=37 s=55
